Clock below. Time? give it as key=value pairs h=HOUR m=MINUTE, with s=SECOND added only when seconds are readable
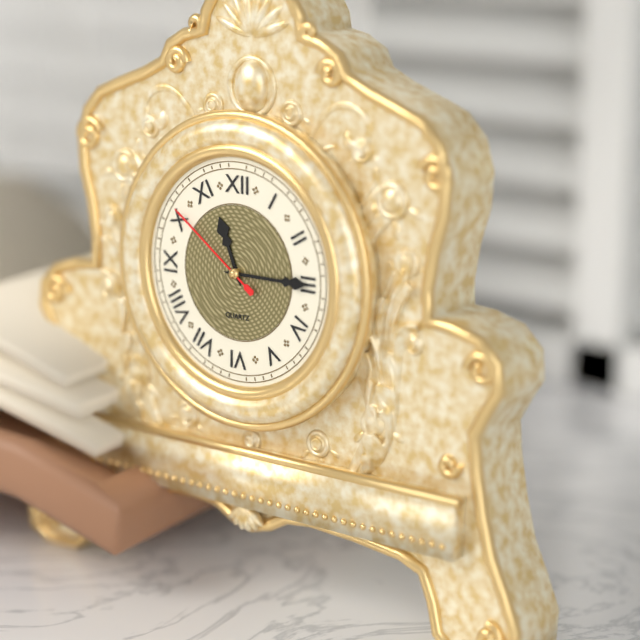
h=11 m=15 s=51
